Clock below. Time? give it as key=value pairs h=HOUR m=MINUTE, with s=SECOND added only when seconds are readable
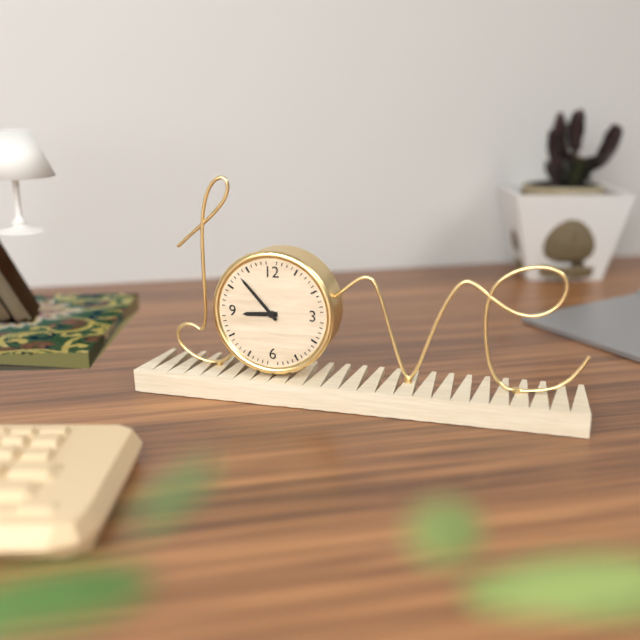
h=8 m=53
